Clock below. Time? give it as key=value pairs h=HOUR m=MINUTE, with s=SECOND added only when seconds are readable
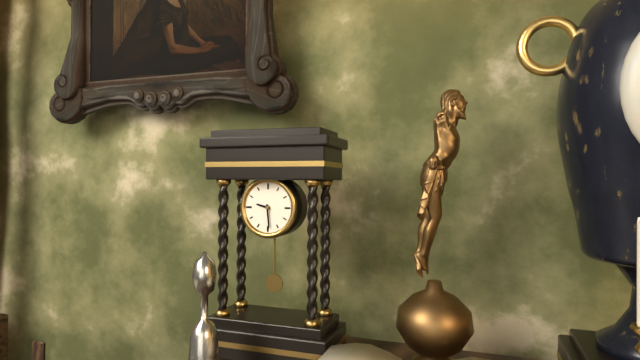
h=9 m=29
